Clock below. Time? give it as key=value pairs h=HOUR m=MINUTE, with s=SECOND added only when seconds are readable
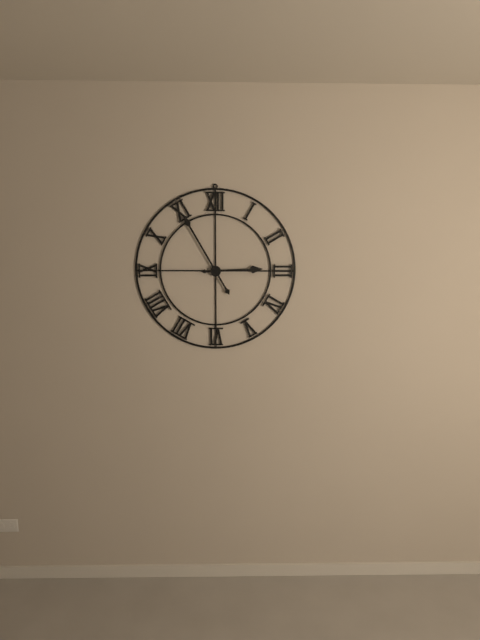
h=2 m=55
